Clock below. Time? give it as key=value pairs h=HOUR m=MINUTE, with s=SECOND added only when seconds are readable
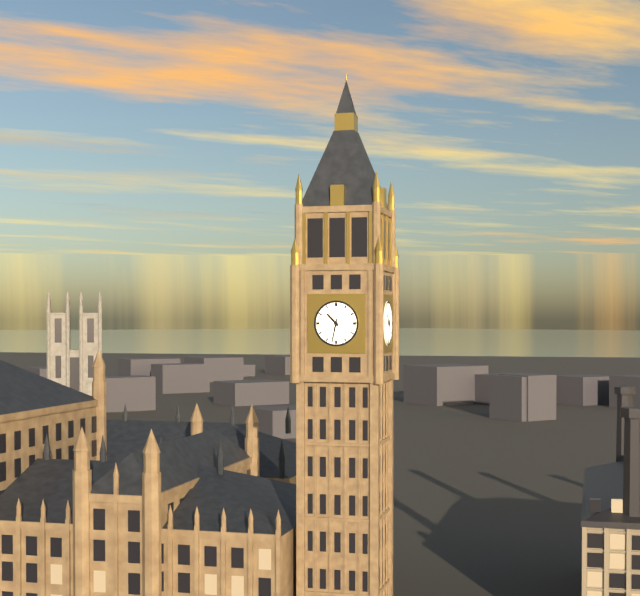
h=10 m=32
